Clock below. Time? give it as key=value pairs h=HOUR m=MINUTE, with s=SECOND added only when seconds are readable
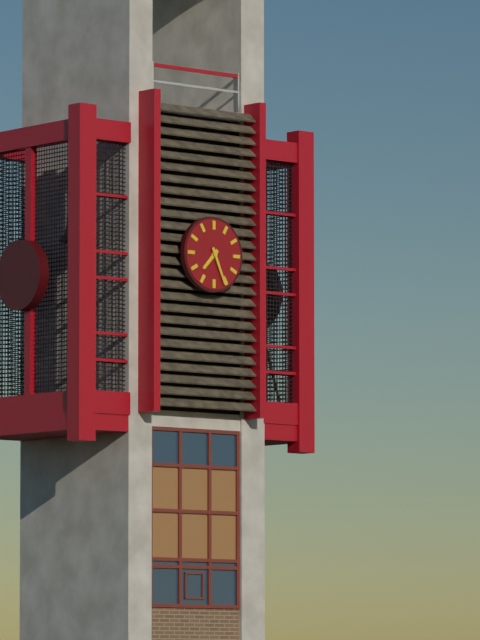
h=7 m=26
